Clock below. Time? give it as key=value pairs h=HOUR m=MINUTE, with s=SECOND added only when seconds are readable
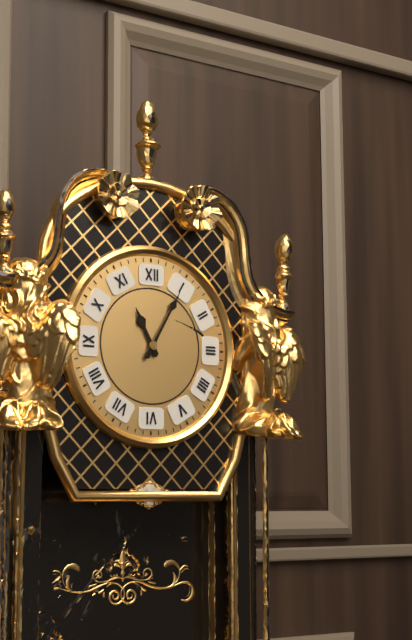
h=11 m=5
